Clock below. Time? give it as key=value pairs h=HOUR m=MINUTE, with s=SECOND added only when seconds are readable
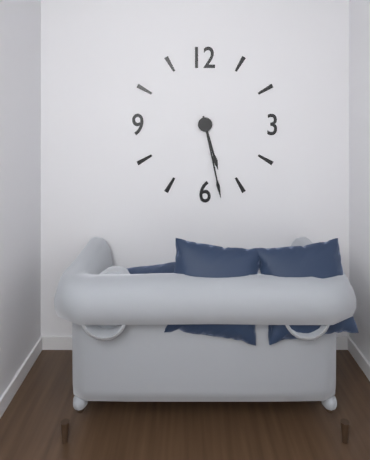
h=5 m=28
